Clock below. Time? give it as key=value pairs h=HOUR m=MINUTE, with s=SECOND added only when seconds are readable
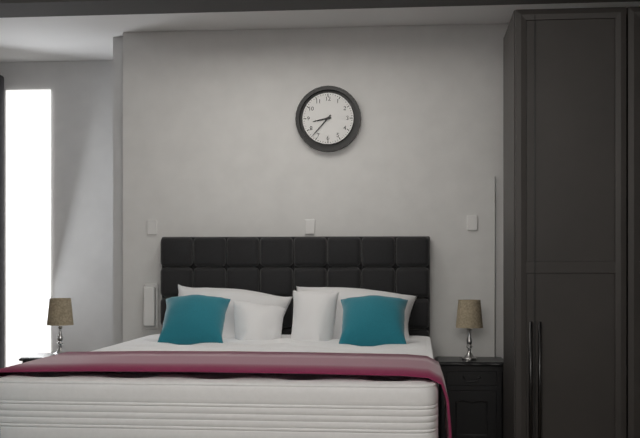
h=8 m=37
